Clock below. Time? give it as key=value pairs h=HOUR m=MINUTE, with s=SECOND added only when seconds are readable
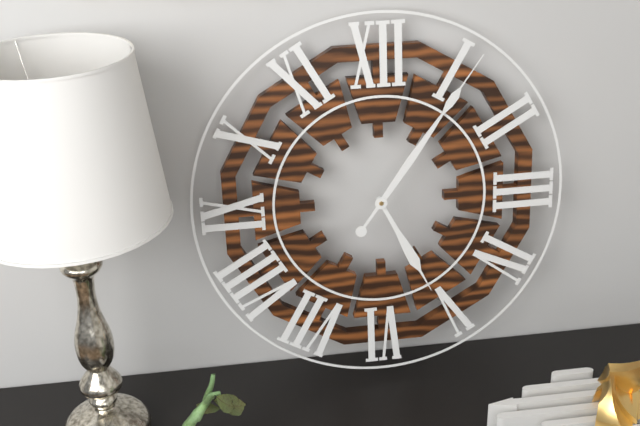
h=5 m=6
